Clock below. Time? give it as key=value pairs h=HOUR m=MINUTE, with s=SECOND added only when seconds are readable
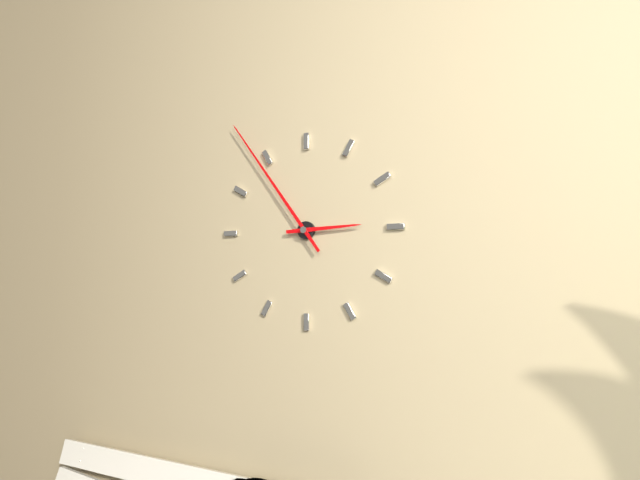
h=2 m=54
